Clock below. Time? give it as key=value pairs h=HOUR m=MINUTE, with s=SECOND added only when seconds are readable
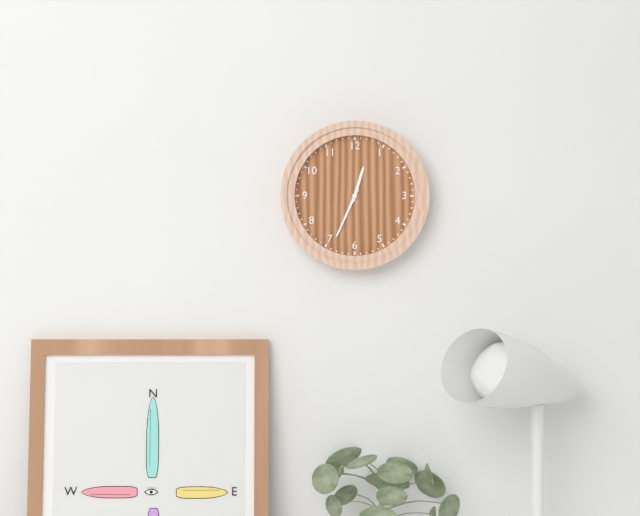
h=12 m=34
